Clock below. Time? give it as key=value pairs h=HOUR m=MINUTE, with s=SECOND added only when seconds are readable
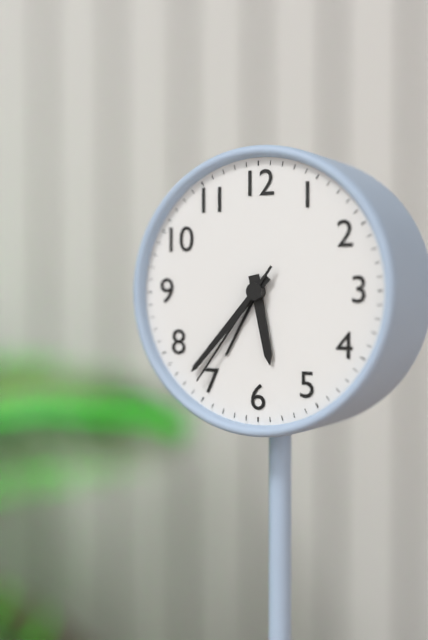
h=5 m=37 s=36
